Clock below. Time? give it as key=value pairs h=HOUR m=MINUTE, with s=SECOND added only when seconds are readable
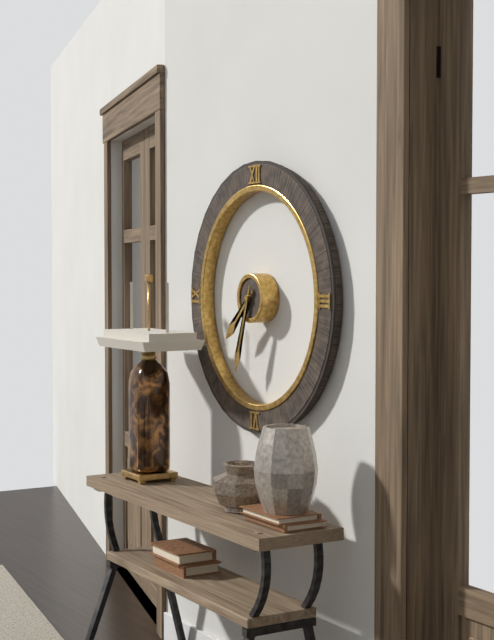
h=7 m=33
